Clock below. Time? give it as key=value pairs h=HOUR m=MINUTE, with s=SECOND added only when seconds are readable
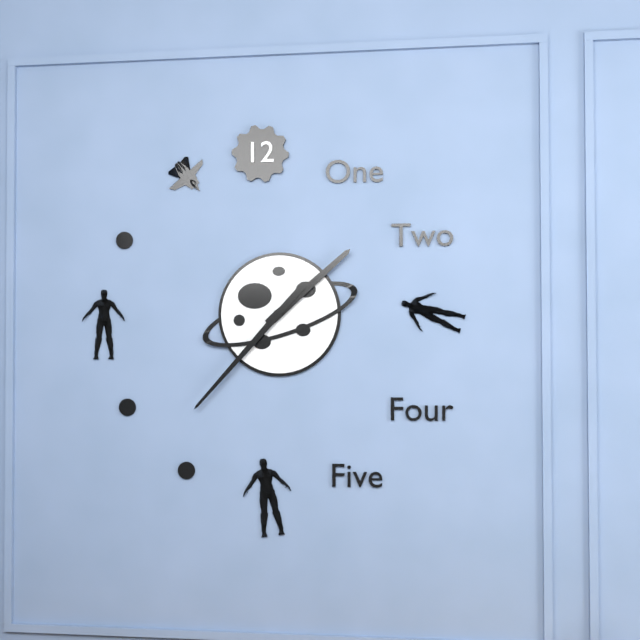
h=1 m=37
